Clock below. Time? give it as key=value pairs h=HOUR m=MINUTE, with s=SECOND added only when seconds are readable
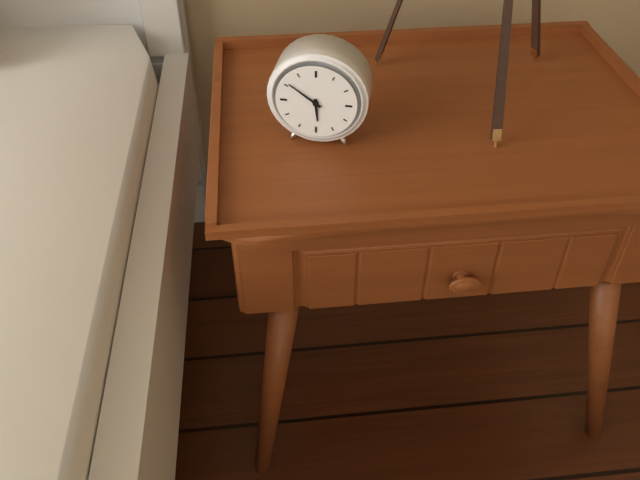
h=5 m=51
